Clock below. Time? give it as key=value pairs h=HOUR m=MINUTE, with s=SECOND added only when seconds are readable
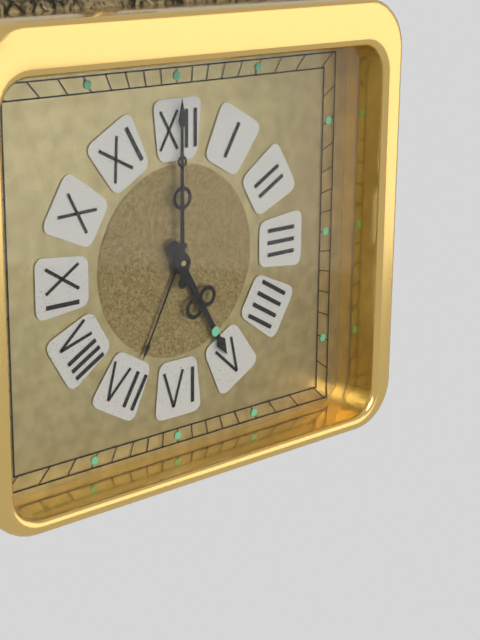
h=5 m=0
